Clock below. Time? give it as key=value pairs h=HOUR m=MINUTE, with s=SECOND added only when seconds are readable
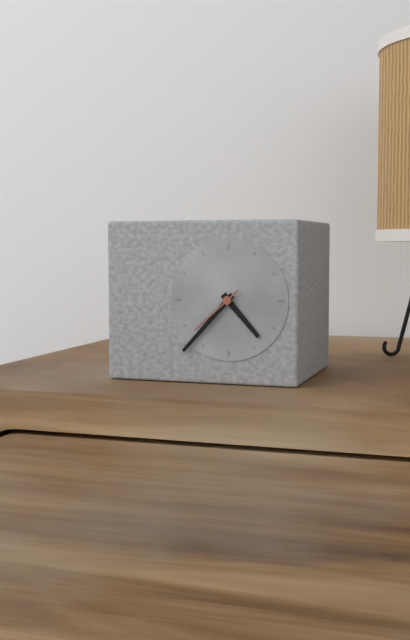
h=4 m=37 s=38
